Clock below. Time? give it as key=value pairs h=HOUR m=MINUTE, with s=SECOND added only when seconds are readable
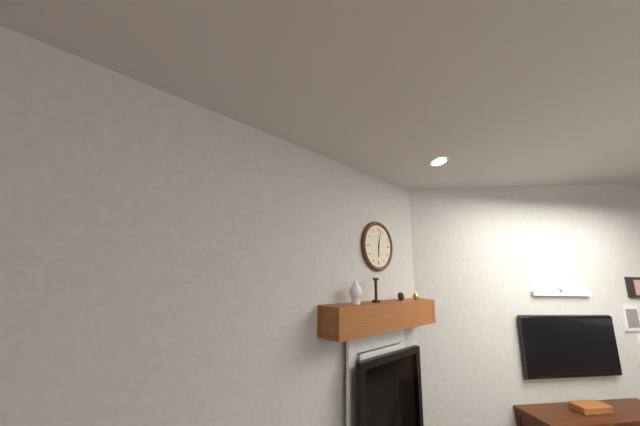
h=6 m=2
